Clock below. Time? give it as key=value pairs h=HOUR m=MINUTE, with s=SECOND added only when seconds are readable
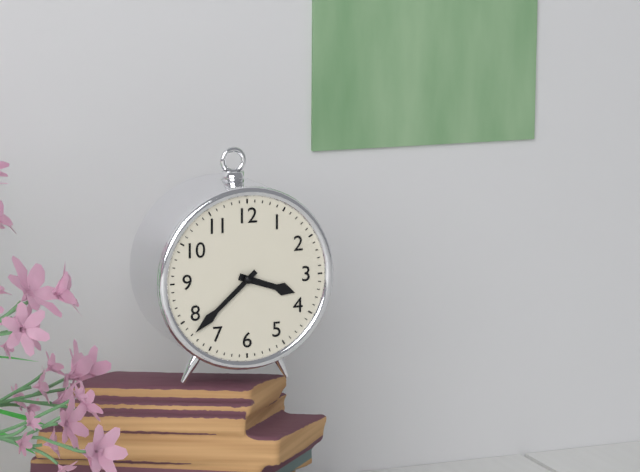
h=3 m=38
